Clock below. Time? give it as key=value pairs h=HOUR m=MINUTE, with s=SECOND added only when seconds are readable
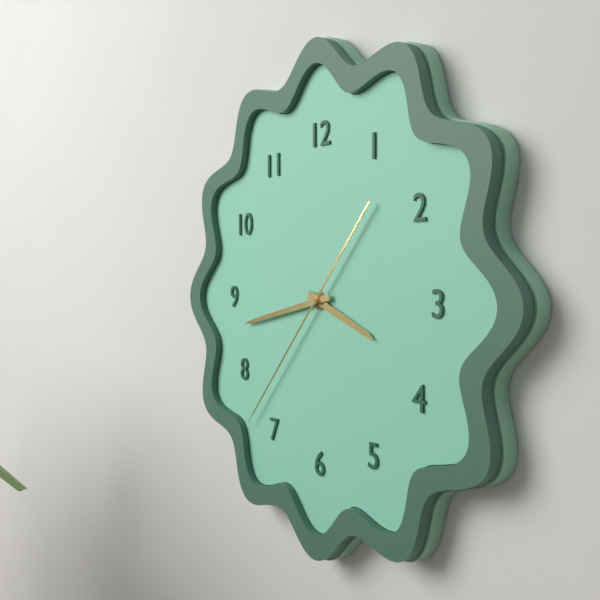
h=3 m=43 s=37
